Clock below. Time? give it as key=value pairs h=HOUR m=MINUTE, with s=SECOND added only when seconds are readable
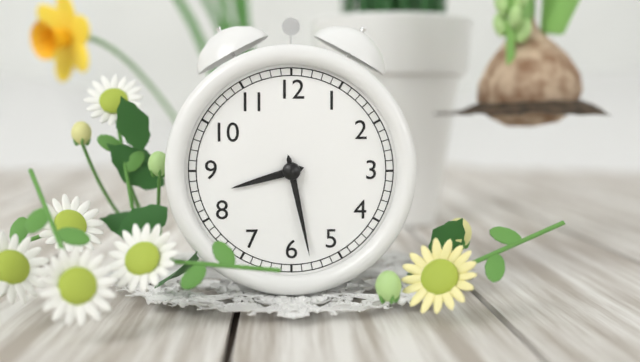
h=8 m=28
